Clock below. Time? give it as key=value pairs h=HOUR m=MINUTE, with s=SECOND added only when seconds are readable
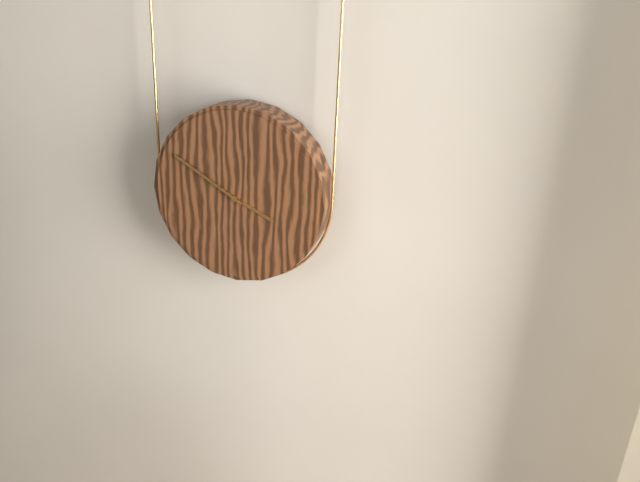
h=3 m=50
